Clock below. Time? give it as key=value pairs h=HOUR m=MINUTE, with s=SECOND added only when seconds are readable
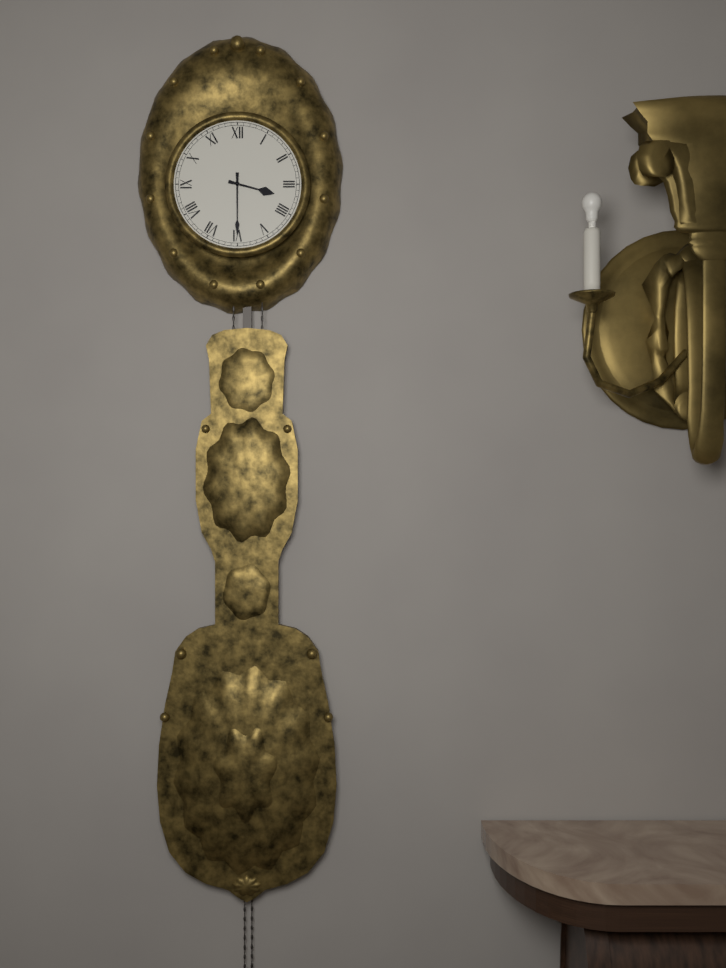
h=3 m=30
